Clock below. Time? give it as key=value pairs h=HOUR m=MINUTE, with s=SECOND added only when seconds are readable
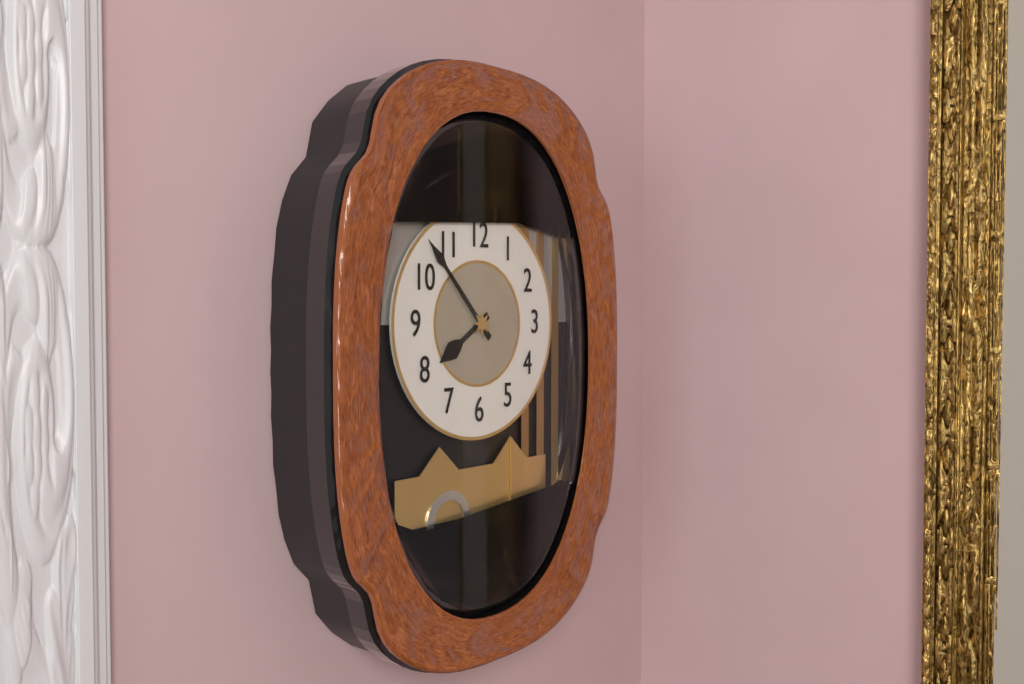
h=7 m=53
